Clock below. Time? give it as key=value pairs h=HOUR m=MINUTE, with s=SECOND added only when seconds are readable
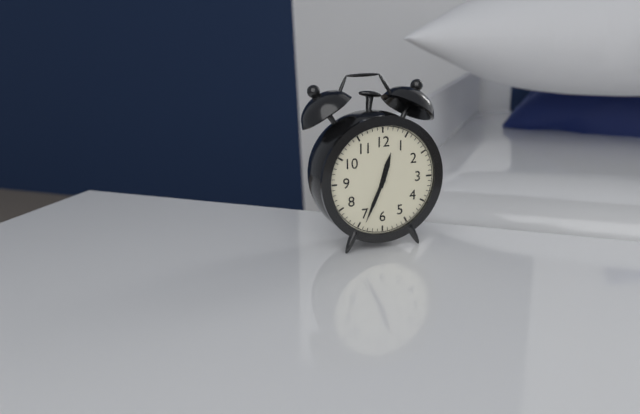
h=12 m=34
